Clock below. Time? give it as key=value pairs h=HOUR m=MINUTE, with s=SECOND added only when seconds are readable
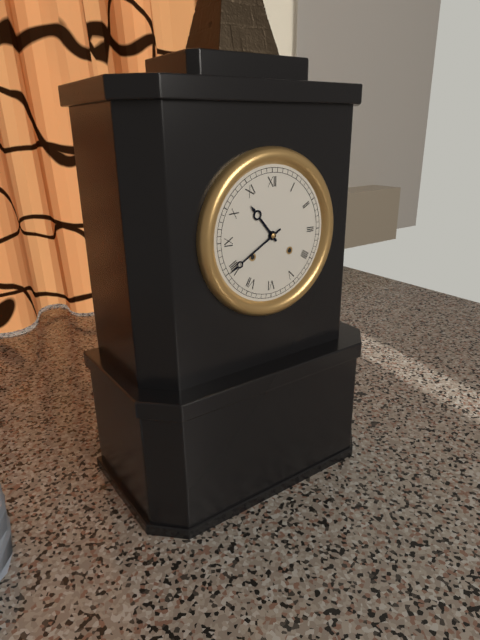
h=10 m=40
